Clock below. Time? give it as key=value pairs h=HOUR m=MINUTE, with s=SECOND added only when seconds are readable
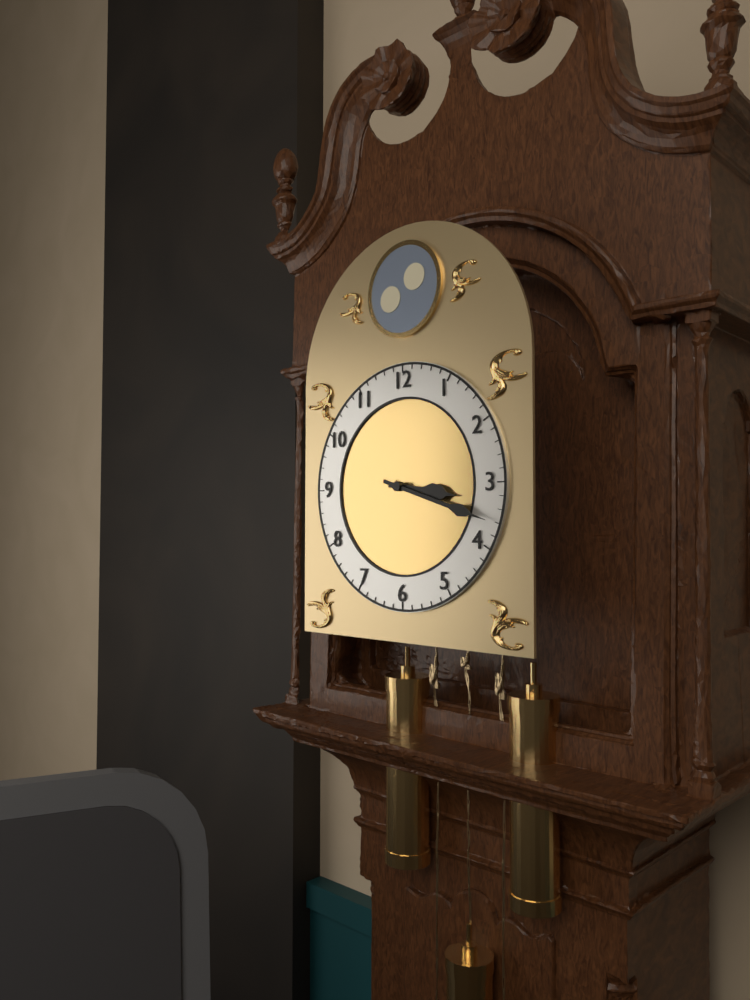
h=3 m=18
